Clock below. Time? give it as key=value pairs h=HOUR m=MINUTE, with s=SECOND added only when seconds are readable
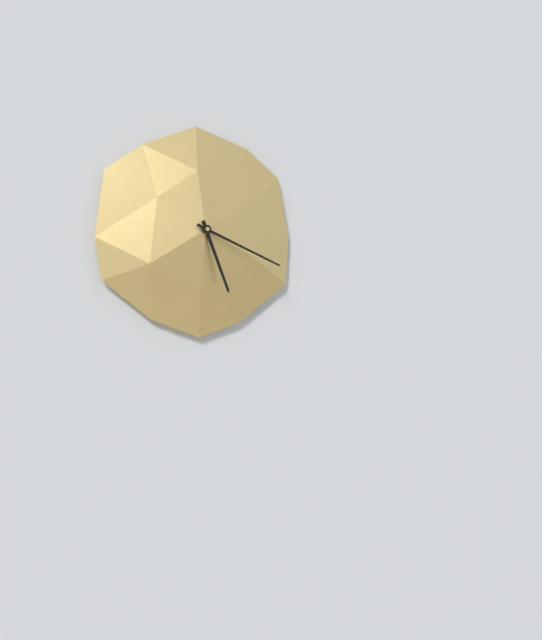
h=5 m=19
